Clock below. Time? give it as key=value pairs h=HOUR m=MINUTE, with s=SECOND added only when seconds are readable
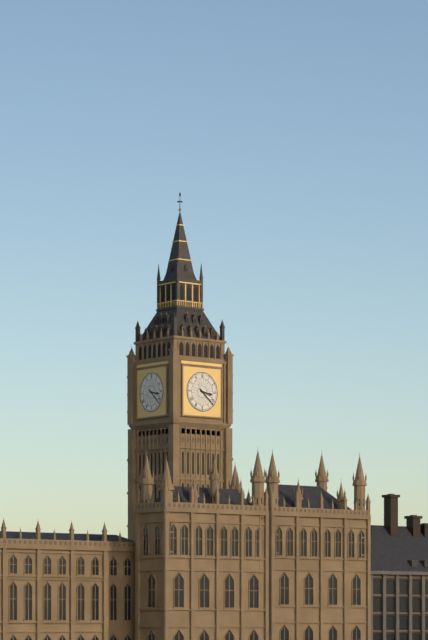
h=3 m=22
